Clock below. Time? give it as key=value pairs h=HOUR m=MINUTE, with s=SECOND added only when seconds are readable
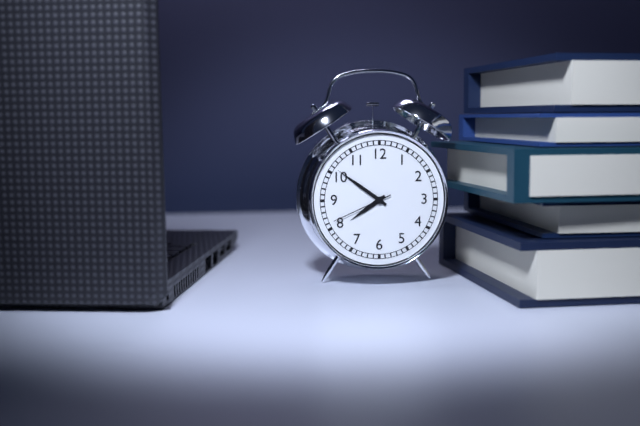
h=7 m=51 s=41
